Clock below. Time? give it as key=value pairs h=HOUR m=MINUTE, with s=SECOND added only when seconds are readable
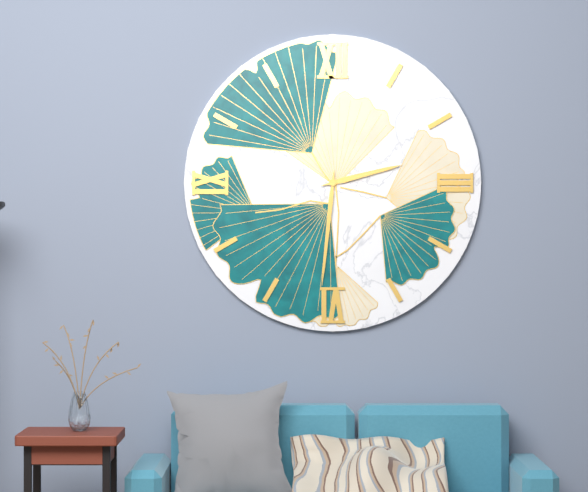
h=2 m=31
